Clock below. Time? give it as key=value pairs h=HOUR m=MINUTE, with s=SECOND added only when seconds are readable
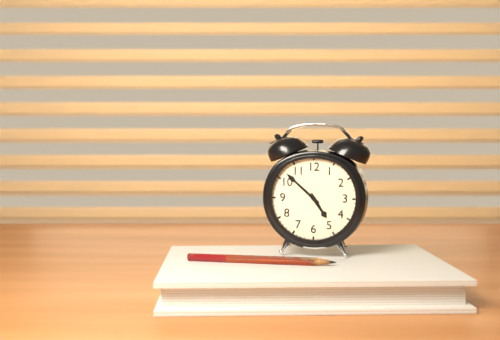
h=4 m=52
